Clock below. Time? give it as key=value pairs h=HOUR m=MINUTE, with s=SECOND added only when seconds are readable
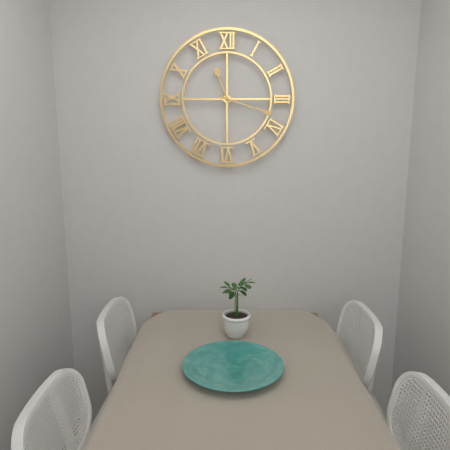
h=11 m=18
